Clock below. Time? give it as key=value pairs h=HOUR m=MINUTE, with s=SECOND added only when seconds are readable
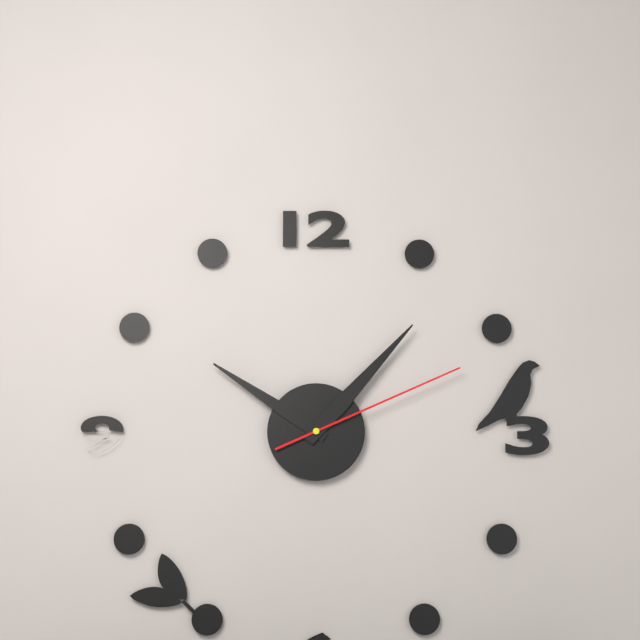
h=10 m=7 s=11
